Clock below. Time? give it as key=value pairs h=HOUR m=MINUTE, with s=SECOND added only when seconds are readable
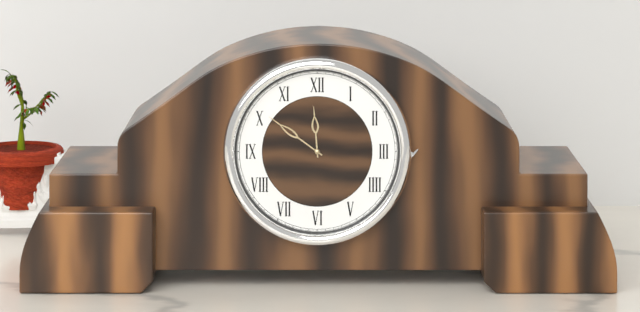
h=11 m=51
